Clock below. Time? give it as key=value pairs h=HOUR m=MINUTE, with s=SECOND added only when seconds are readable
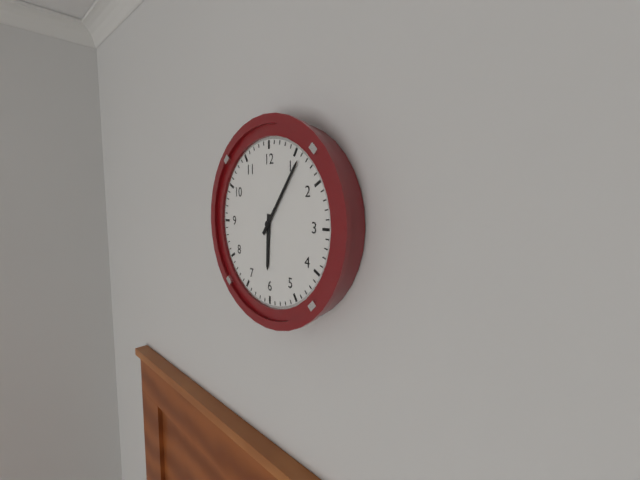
h=6 m=6
